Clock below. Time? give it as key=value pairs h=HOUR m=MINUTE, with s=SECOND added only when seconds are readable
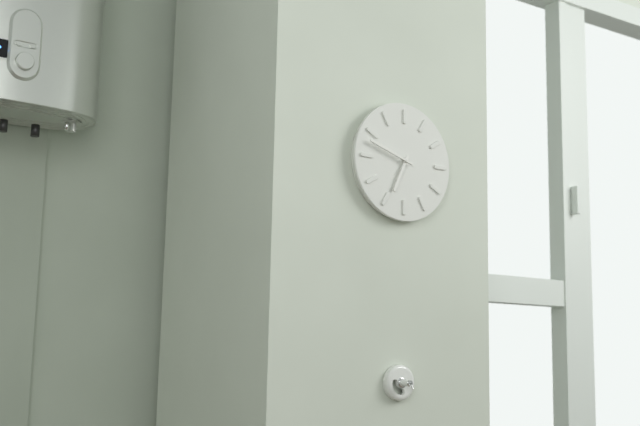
h=6 m=48
